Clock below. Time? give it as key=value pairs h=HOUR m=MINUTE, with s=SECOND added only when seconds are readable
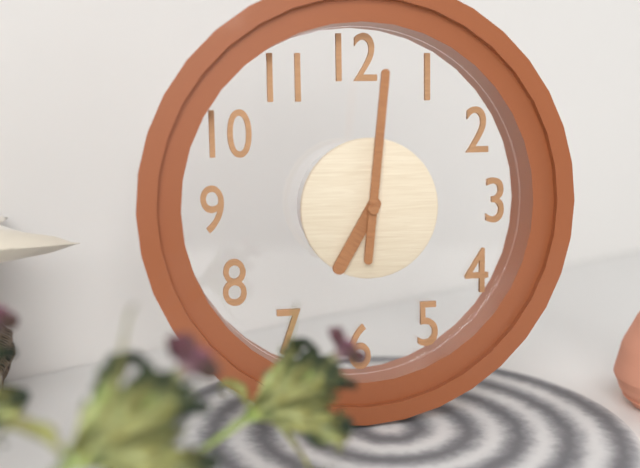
h=7 m=1
